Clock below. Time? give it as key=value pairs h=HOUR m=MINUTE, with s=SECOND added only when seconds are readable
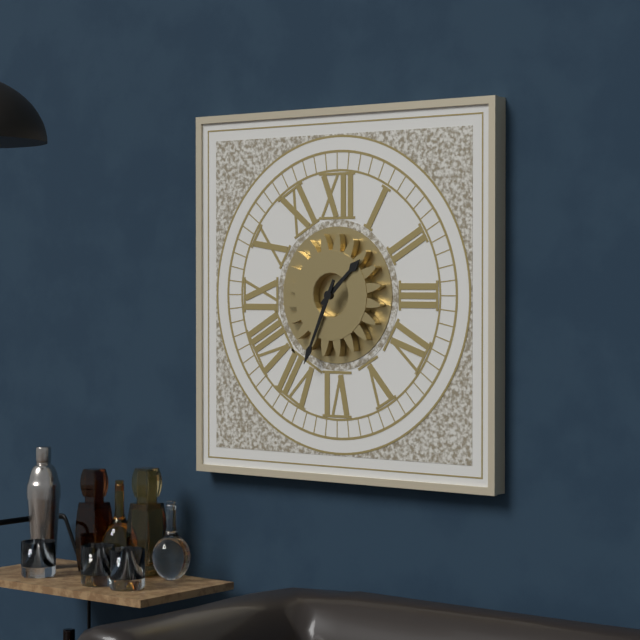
h=1 m=34
